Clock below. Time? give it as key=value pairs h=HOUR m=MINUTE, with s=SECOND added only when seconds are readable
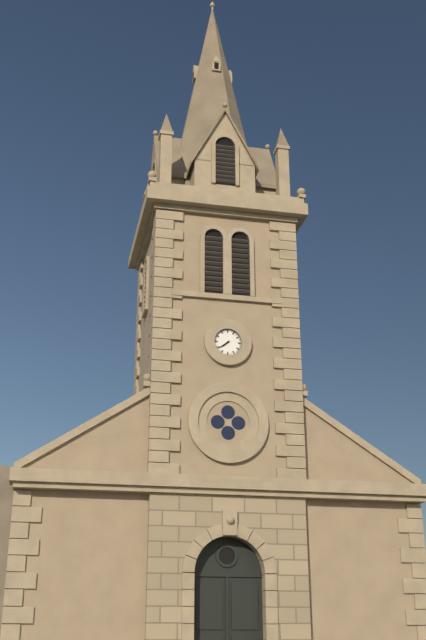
h=7 m=39
